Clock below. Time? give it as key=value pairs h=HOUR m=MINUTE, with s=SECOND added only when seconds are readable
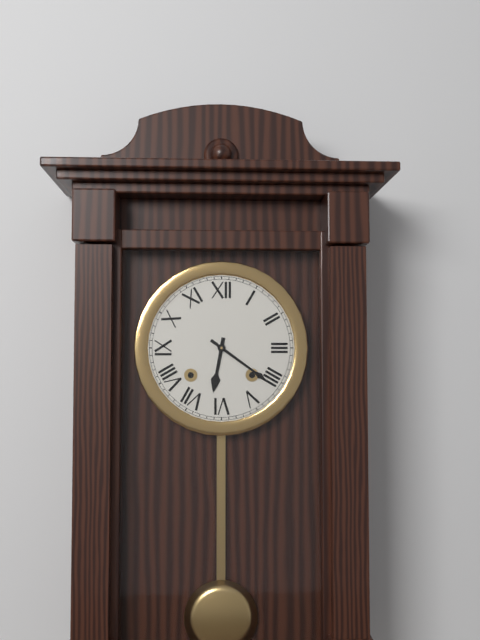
h=6 m=21
